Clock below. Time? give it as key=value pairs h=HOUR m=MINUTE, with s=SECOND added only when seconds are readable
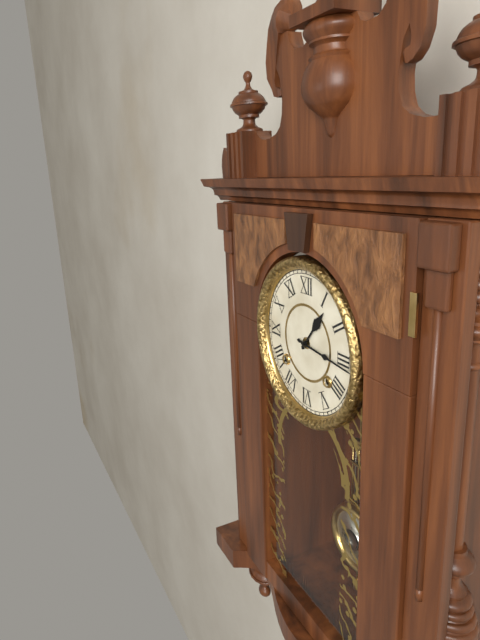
h=1 m=16
